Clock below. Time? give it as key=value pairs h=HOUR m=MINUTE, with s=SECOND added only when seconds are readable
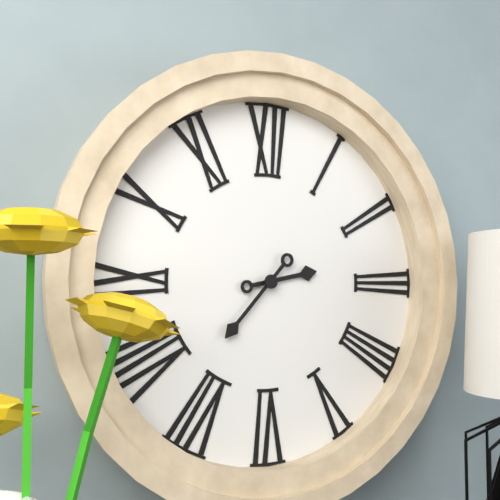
h=2 m=37
